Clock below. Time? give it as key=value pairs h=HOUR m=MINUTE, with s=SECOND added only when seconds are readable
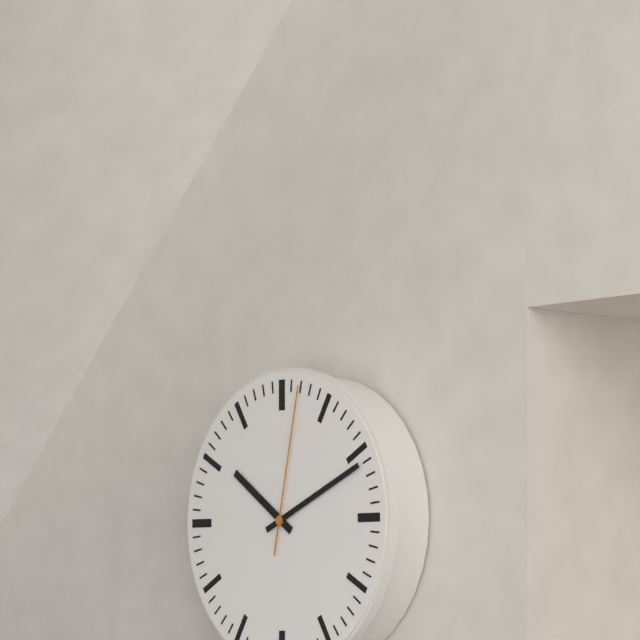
h=10 m=11 s=2
